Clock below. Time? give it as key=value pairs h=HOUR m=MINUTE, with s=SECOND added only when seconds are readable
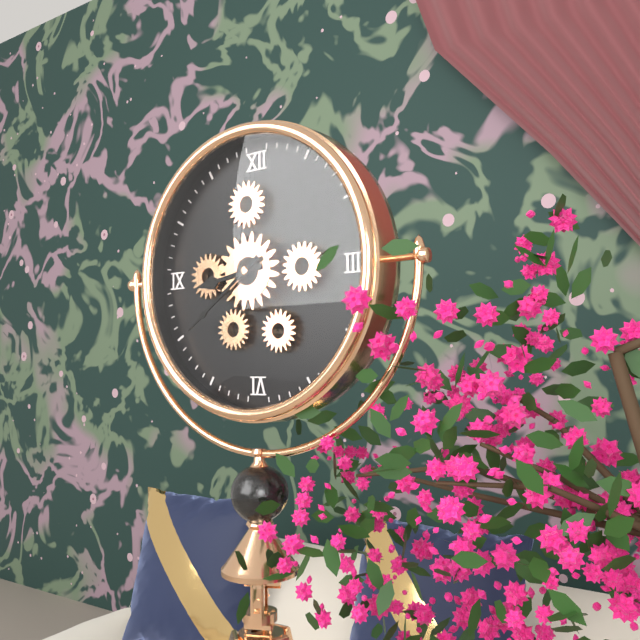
h=8 m=39
